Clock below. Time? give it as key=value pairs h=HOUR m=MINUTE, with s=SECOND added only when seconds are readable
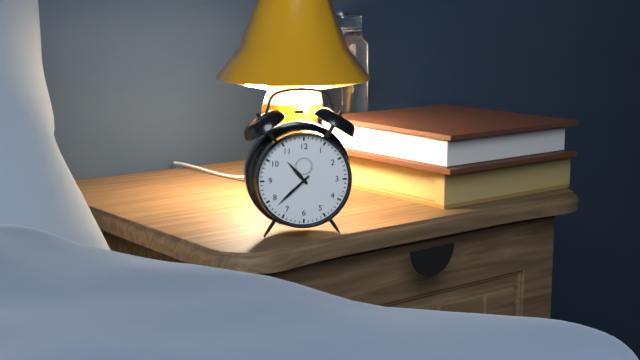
h=10 m=38
